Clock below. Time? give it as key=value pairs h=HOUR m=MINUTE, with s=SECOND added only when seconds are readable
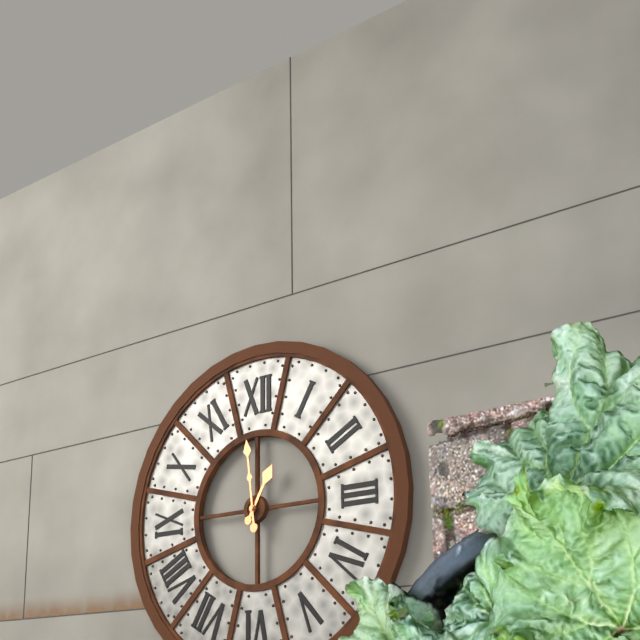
h=12 m=59
